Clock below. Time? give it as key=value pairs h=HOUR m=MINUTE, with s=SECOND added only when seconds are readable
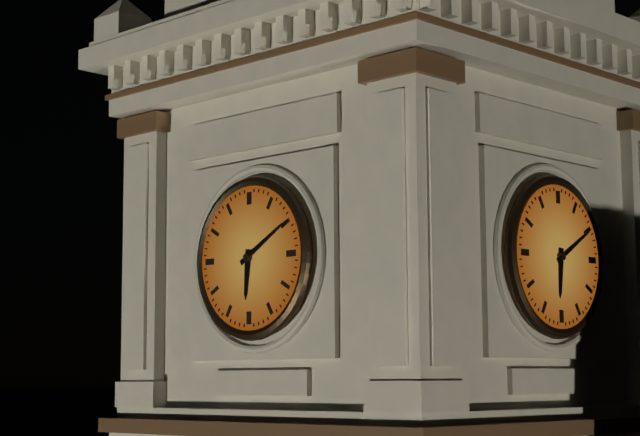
h=6 m=10
